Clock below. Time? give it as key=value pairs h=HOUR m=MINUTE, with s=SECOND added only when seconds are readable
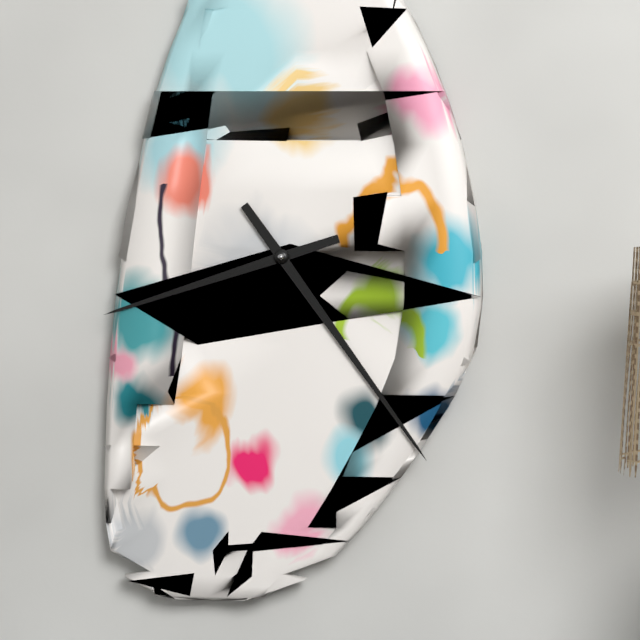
h=8 m=24
